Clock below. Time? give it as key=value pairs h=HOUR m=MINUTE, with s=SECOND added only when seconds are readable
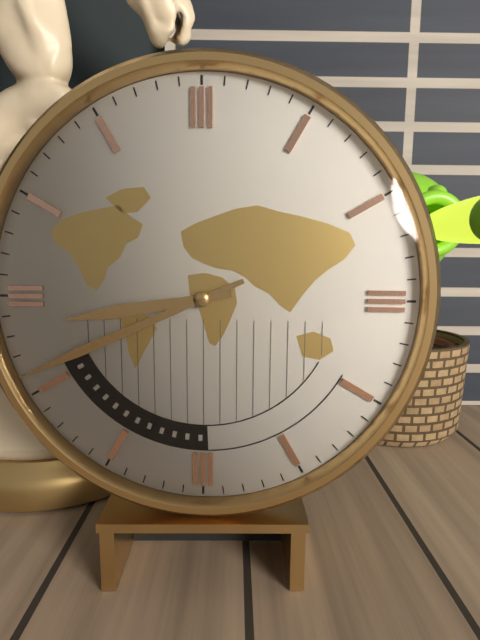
h=8 m=41
